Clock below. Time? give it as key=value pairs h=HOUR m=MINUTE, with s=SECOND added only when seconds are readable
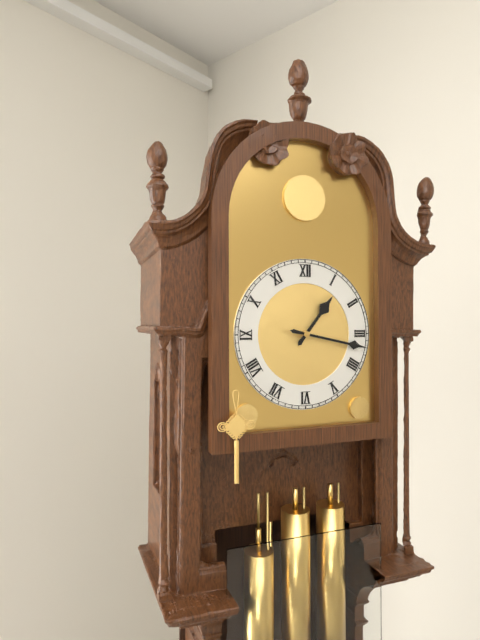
h=1 m=17
